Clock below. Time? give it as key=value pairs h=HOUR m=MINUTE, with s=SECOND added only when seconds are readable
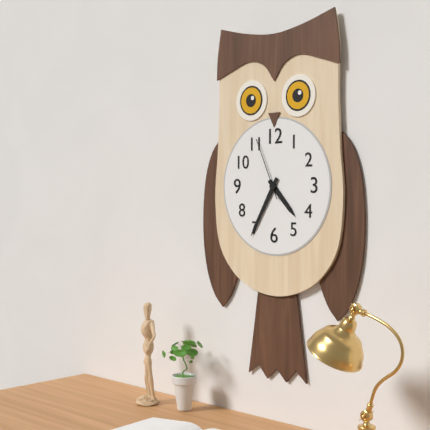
h=4 m=35 s=56
